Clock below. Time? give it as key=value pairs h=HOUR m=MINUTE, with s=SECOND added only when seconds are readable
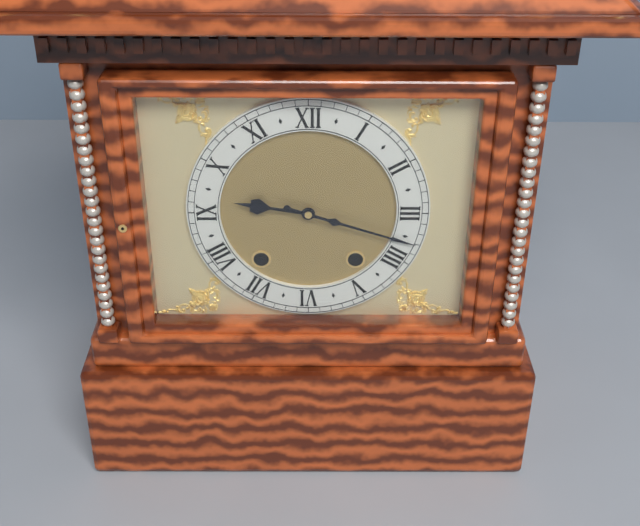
h=9 m=18
